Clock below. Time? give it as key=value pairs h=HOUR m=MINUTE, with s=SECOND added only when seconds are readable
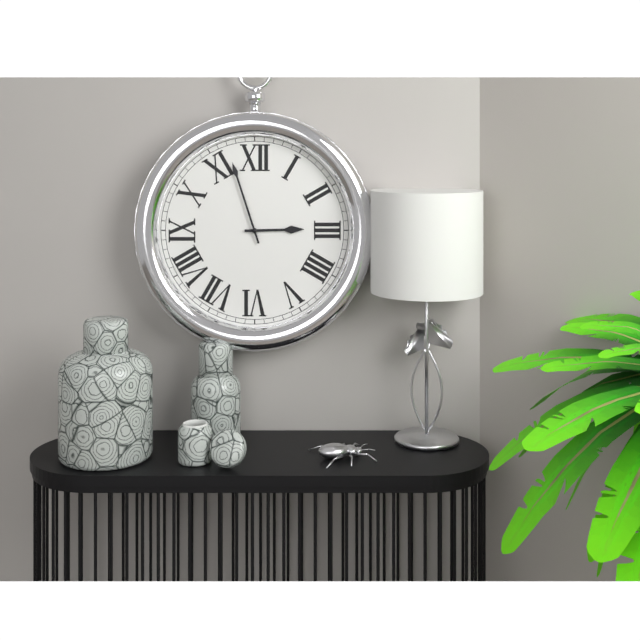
h=2 m=57
